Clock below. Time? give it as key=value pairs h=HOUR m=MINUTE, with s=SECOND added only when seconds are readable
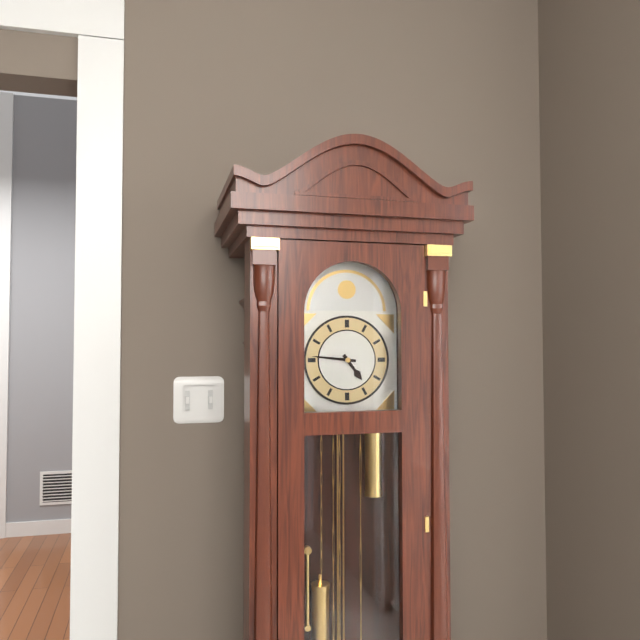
h=4 m=46
